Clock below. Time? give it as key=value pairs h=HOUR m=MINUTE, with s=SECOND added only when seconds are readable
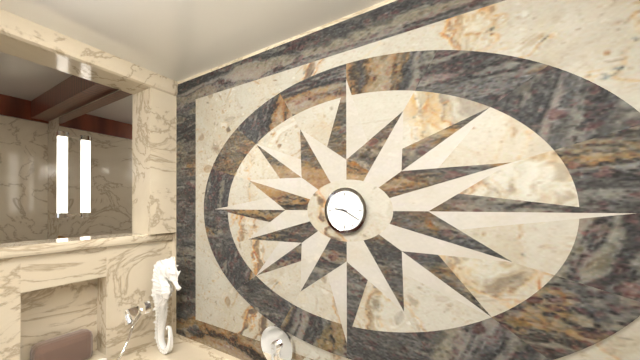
h=9 m=20
